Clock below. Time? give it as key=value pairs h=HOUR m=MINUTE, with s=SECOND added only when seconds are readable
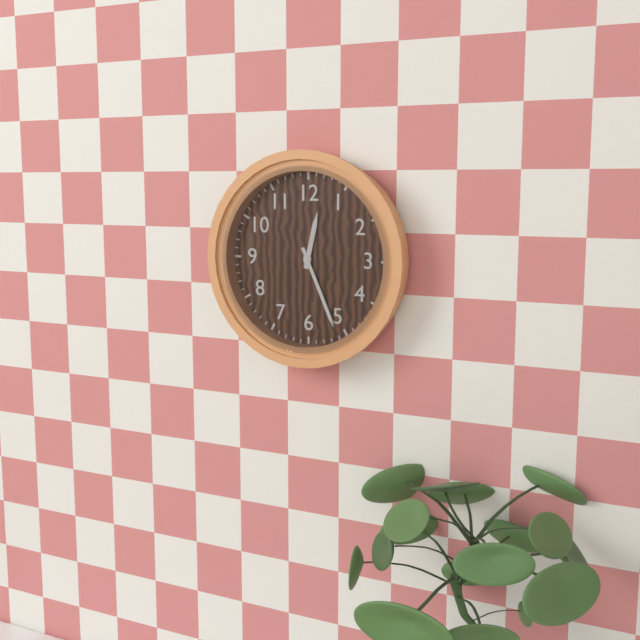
h=12 m=26
